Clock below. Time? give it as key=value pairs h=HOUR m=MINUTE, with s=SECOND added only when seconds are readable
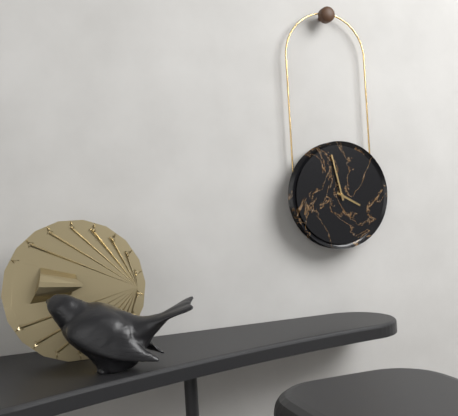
h=3 m=58
